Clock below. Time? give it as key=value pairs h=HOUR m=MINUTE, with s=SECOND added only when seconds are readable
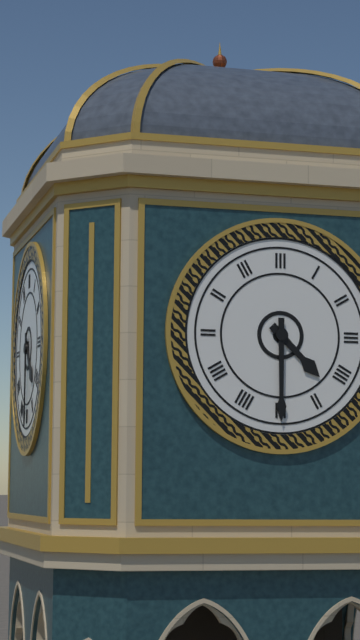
h=4 m=30
